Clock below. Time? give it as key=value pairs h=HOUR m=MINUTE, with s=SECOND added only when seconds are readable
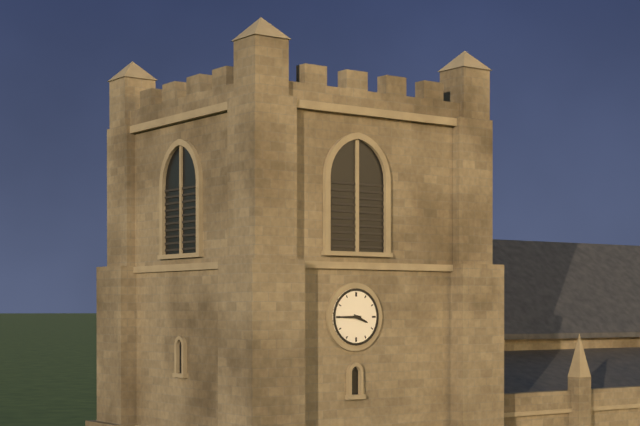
h=3 m=45
